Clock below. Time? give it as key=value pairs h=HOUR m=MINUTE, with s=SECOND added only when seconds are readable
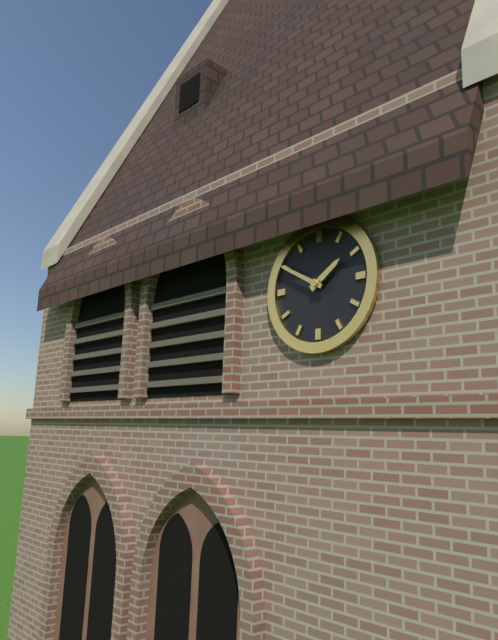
h=1 m=50
